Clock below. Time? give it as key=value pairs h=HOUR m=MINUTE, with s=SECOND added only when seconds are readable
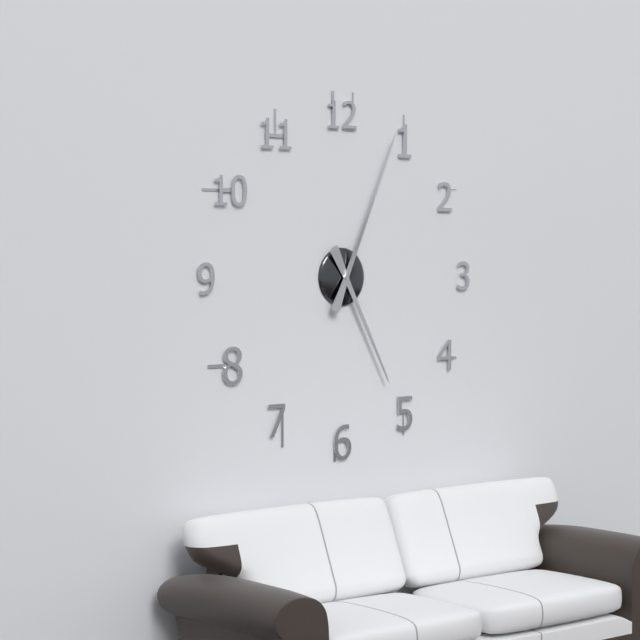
h=5 m=4
